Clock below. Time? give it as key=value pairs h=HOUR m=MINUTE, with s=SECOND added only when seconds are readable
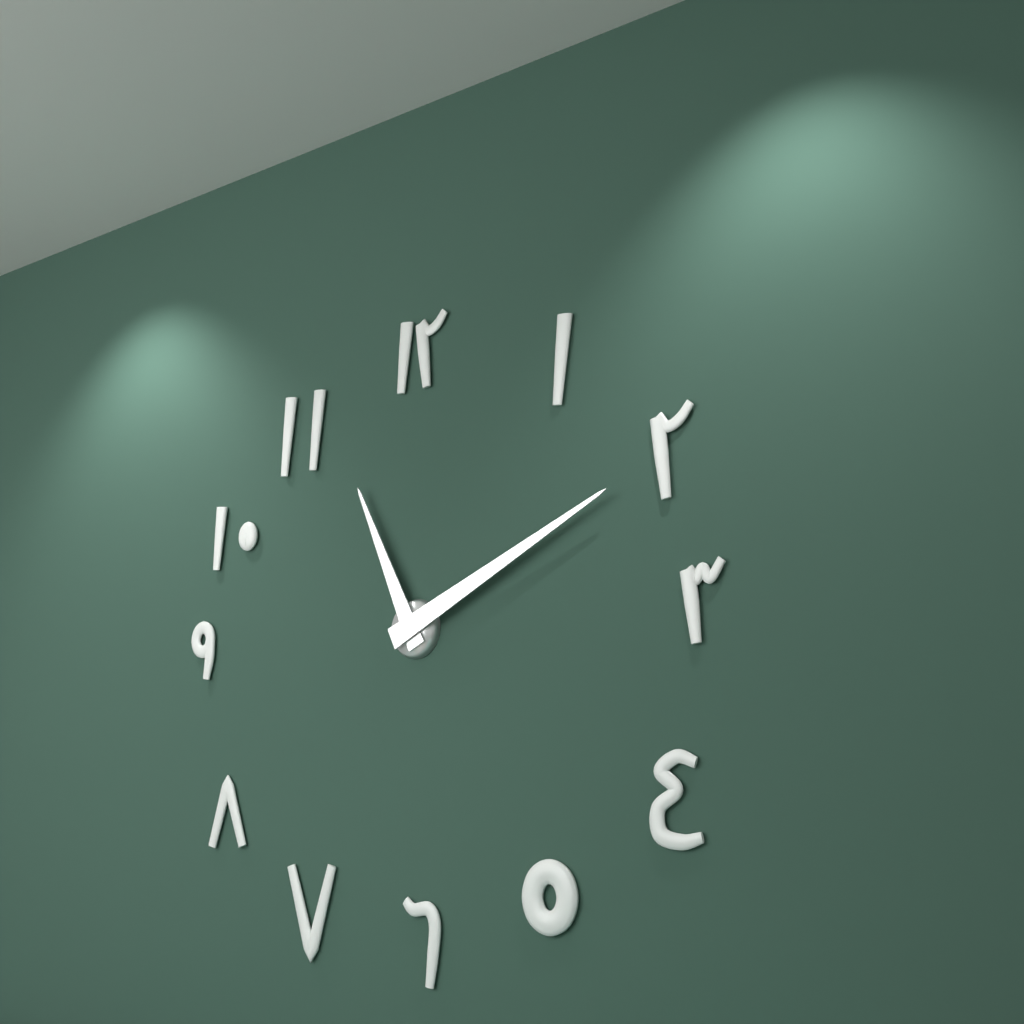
h=11 m=11
